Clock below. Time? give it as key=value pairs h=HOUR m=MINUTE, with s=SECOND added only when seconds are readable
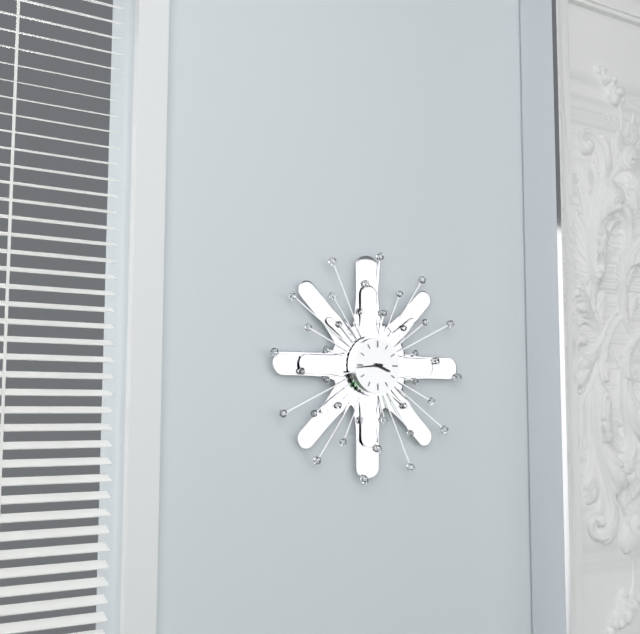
h=3 m=44
